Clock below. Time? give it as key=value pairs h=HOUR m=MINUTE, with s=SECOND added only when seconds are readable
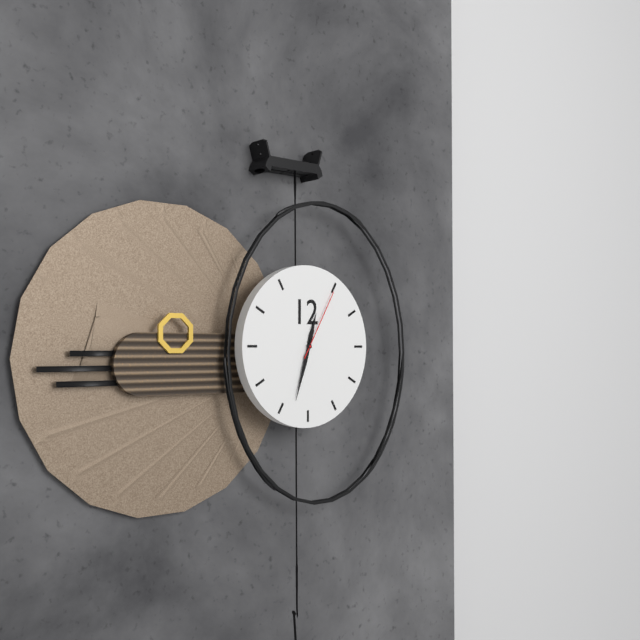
h=12 m=33 s=5
